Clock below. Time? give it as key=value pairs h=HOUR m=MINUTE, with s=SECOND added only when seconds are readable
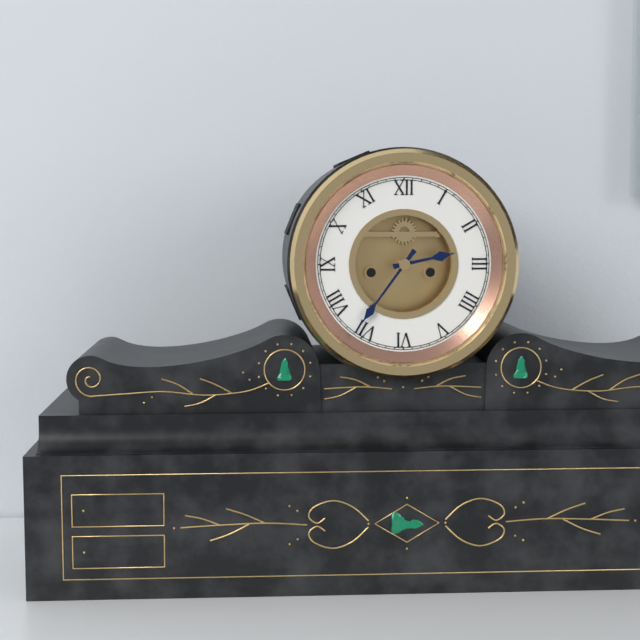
h=2 m=36
